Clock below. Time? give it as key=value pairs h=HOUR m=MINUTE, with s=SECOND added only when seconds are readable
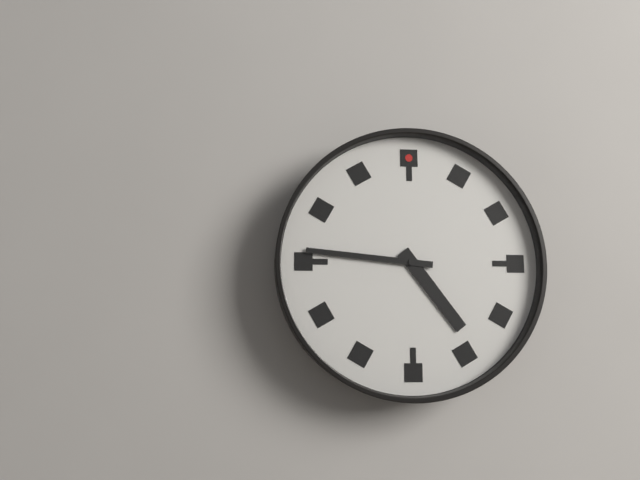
h=4 m=46
